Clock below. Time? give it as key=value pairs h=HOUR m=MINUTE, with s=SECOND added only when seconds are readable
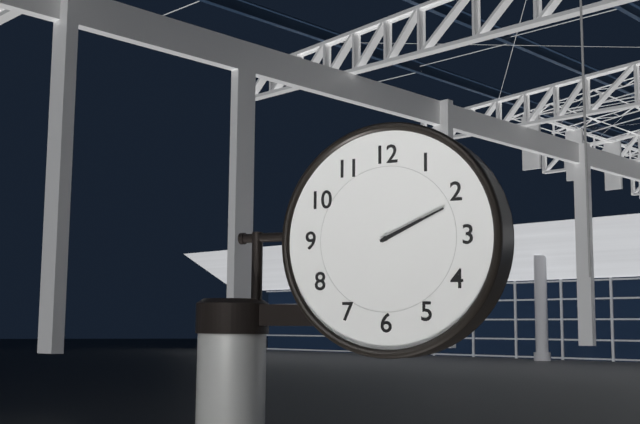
h=2 m=11
